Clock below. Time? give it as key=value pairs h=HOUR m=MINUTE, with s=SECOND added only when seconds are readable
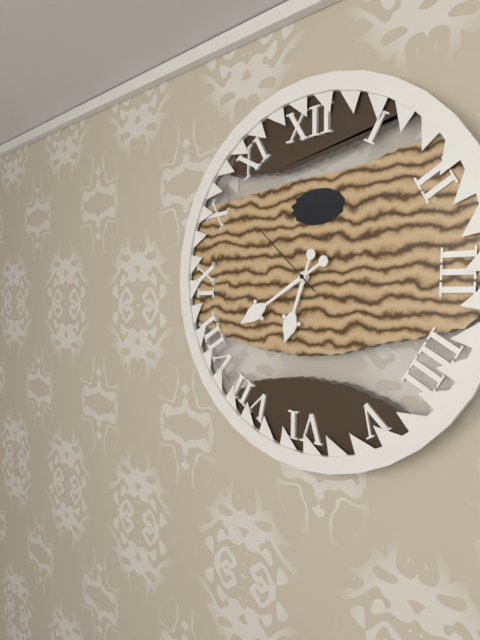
h=6 m=40 s=52
